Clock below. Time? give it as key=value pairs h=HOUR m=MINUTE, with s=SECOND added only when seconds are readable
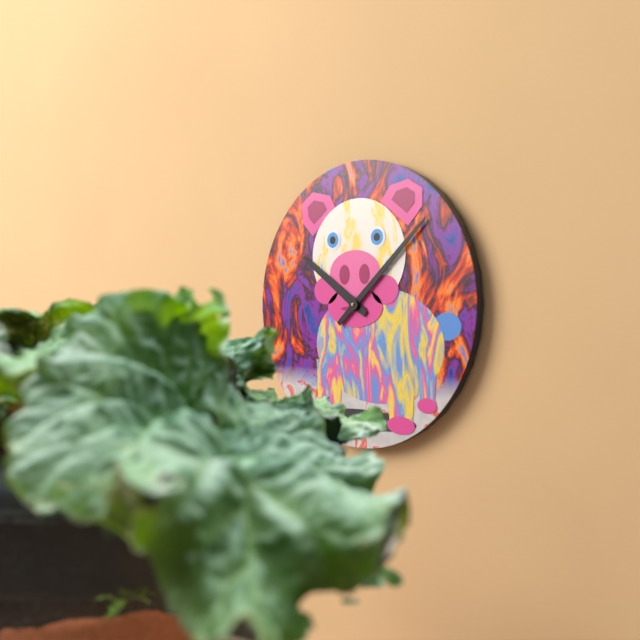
h=10 m=8
